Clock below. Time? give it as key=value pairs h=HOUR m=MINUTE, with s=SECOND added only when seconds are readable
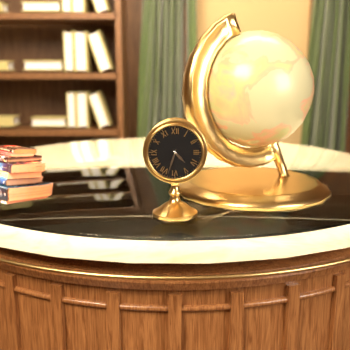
h=4 m=33
